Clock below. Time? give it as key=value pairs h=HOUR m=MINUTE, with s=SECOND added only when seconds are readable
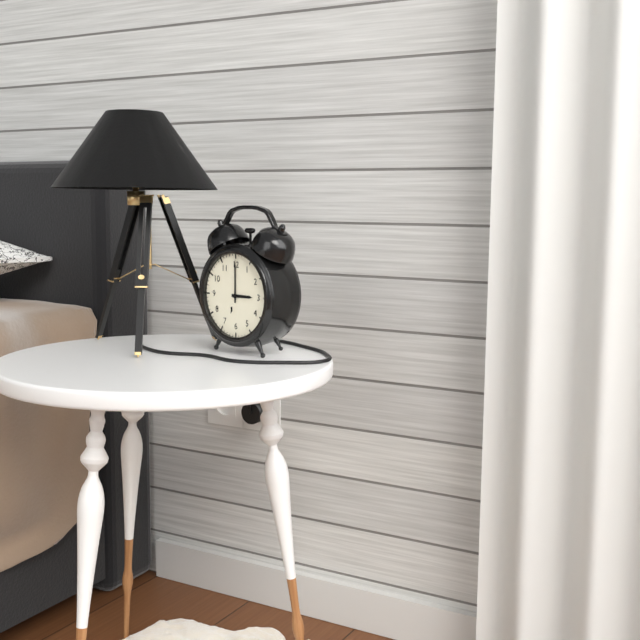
h=3 m=0
